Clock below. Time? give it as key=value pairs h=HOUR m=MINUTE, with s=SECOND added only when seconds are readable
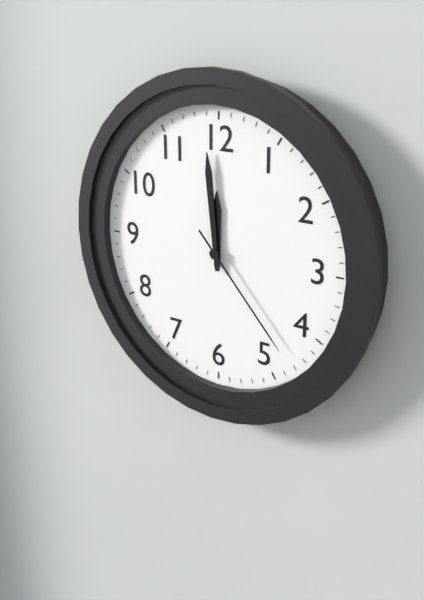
h=11 m=59 s=23
